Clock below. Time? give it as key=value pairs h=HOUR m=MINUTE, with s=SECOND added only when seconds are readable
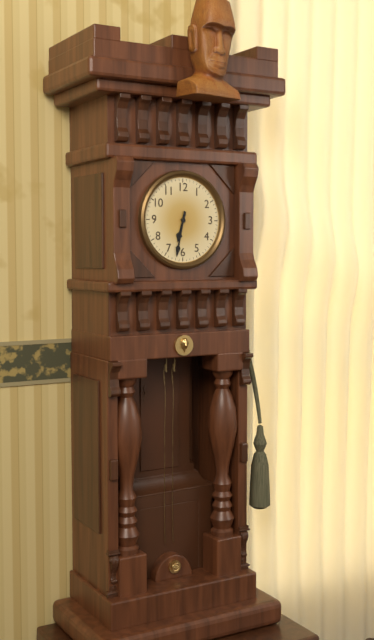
h=6 m=32
